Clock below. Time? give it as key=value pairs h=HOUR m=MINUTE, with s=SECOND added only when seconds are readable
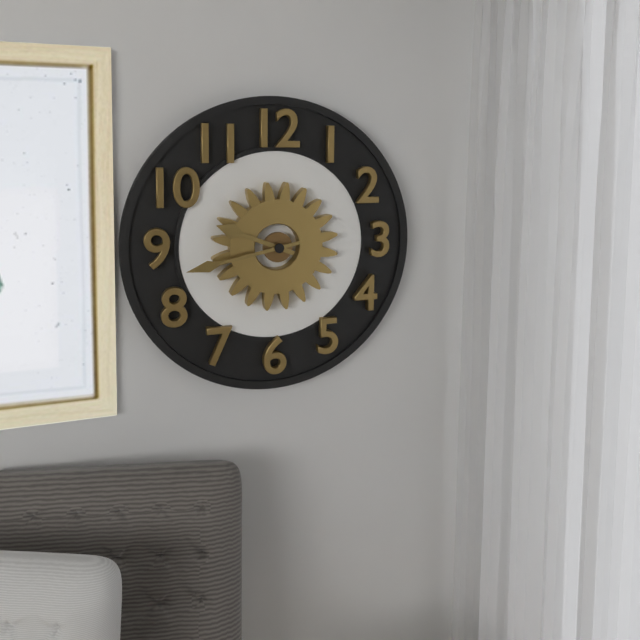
h=9 m=43
